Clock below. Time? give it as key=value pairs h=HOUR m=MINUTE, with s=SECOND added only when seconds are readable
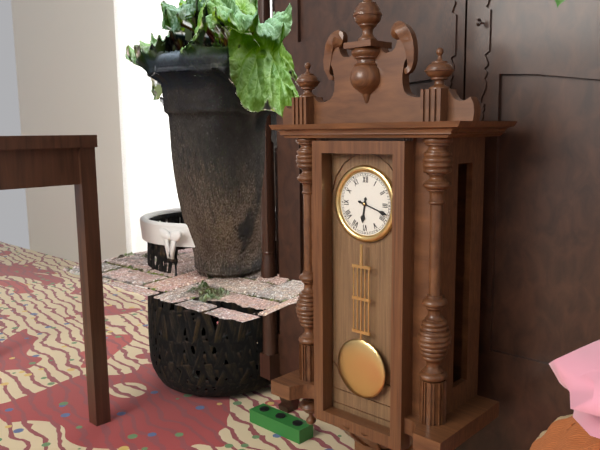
h=6 m=18
